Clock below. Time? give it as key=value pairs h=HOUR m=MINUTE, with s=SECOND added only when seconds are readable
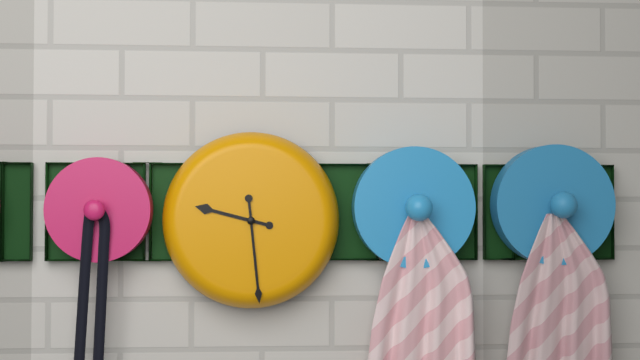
h=9 m=29
